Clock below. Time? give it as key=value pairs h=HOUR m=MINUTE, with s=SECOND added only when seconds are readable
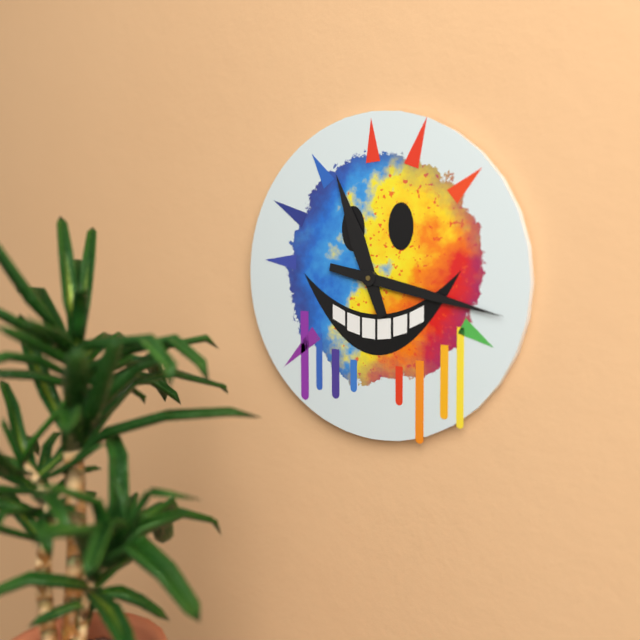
h=11 m=17
